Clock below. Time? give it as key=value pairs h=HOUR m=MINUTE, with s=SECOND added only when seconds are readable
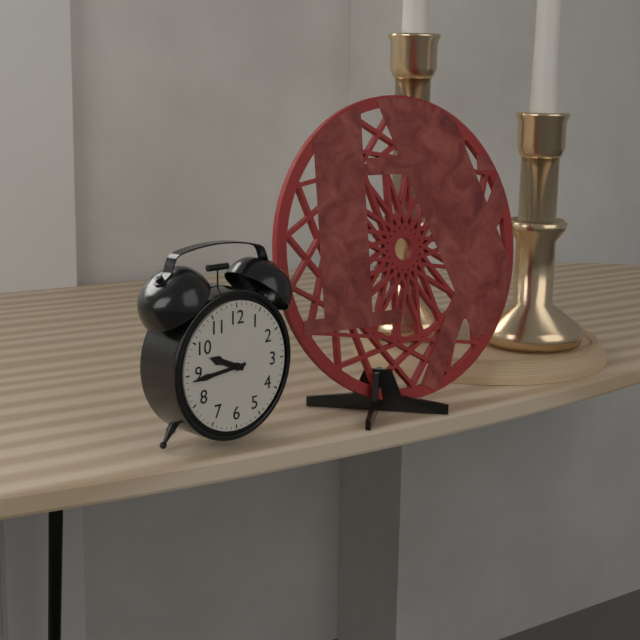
h=9 m=44
